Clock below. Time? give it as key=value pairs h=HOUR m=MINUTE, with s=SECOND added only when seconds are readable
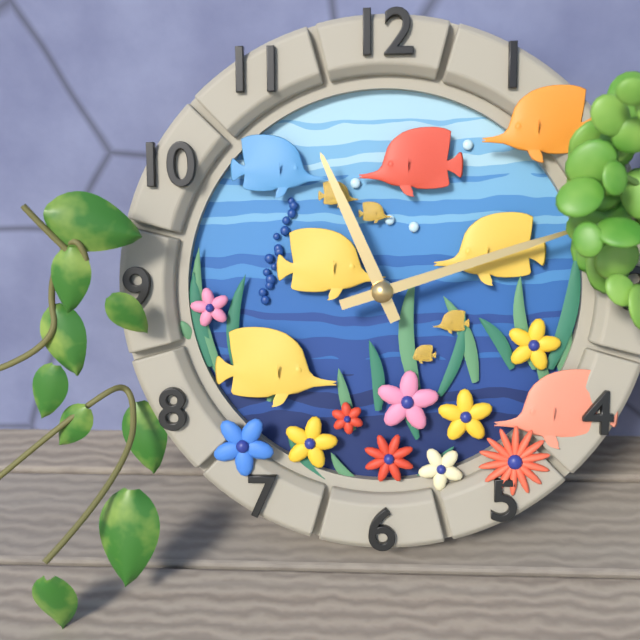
h=11 m=12
